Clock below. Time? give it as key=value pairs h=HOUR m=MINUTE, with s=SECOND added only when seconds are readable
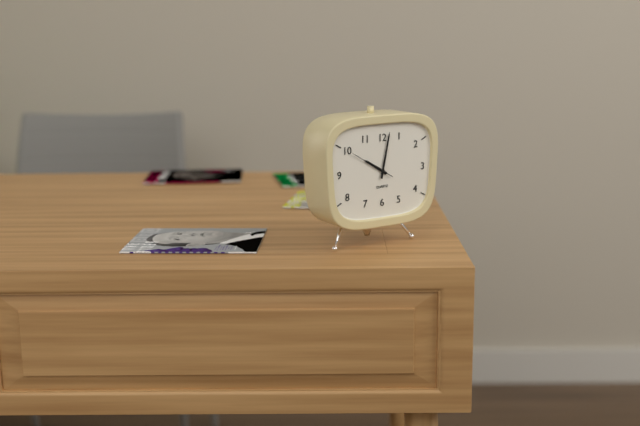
h=10 m=2
